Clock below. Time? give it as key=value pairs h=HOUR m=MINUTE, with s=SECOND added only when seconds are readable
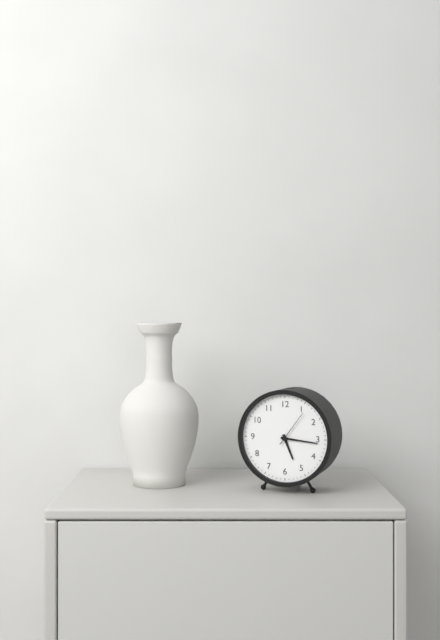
h=5 m=16
